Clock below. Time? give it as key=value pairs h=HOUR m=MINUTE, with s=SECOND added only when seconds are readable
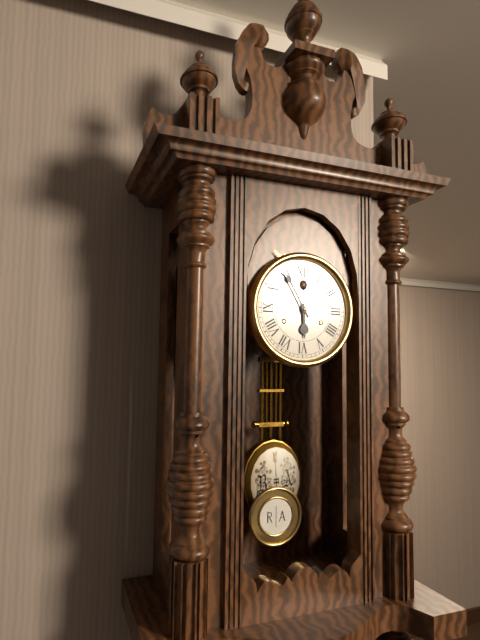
h=5 m=55
